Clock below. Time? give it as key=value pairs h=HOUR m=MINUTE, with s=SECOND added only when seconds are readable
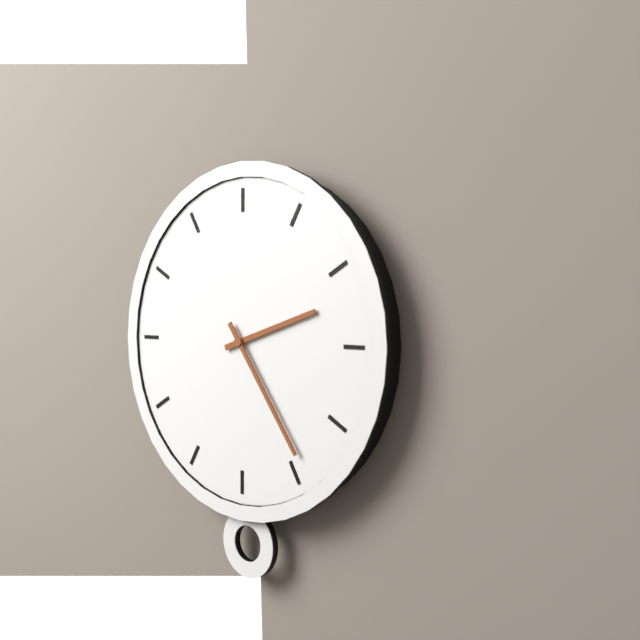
h=2 m=24
